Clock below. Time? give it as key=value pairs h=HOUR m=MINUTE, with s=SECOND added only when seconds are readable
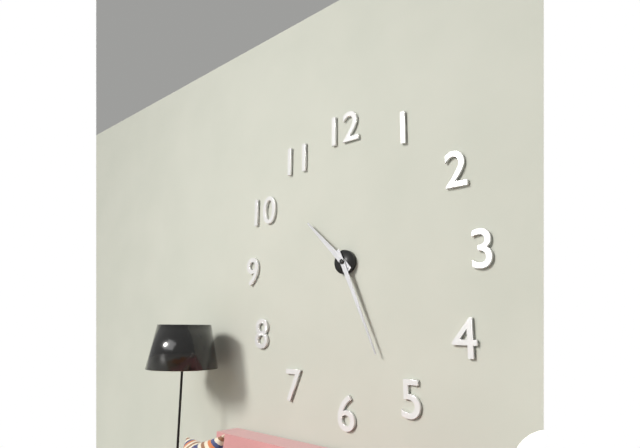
h=10 m=26
